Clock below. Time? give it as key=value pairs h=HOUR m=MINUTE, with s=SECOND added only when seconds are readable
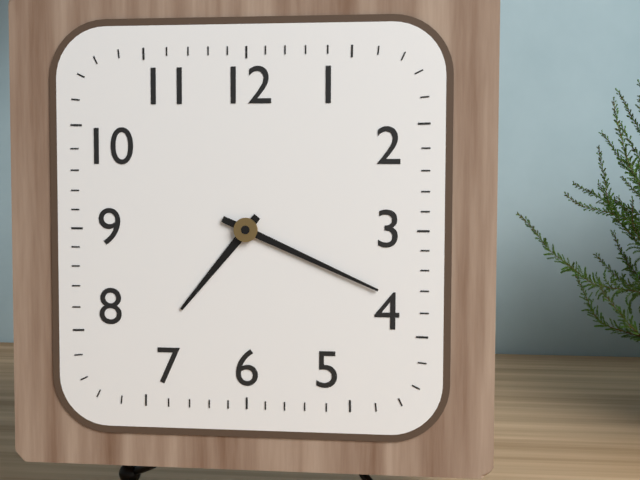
h=7 m=19
